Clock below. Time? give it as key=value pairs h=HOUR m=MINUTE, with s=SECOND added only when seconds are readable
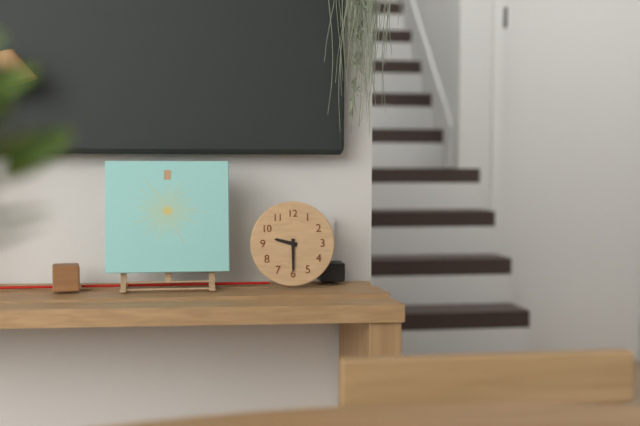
h=9 m=30
